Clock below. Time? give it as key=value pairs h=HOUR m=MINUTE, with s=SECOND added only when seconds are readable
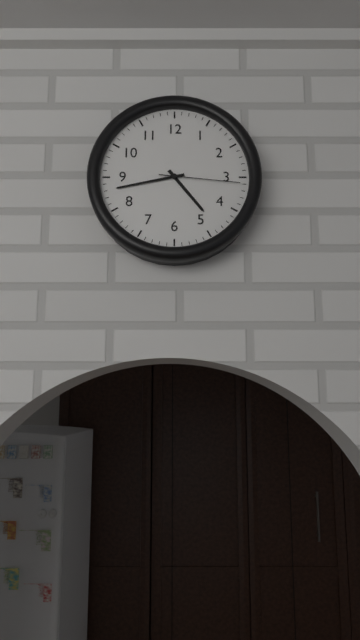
h=4 m=43 s=16
